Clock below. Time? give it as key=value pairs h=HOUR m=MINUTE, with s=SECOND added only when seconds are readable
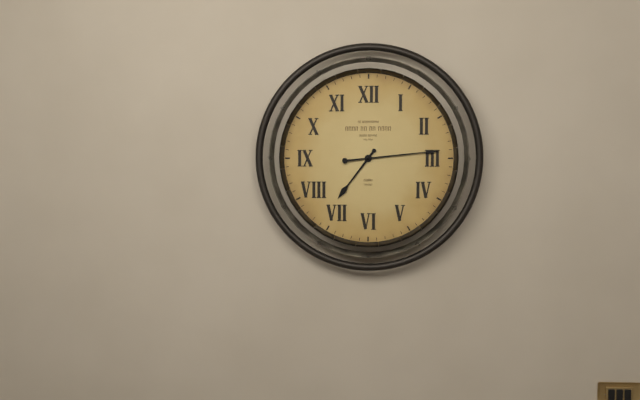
h=7 m=14
